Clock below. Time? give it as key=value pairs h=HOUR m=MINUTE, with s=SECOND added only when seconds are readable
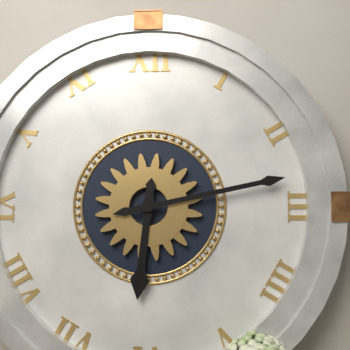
h=6 m=13
